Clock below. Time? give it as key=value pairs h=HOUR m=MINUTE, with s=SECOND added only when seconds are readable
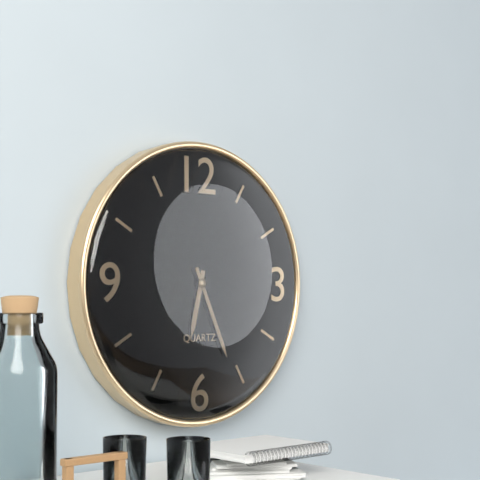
h=6 m=26
